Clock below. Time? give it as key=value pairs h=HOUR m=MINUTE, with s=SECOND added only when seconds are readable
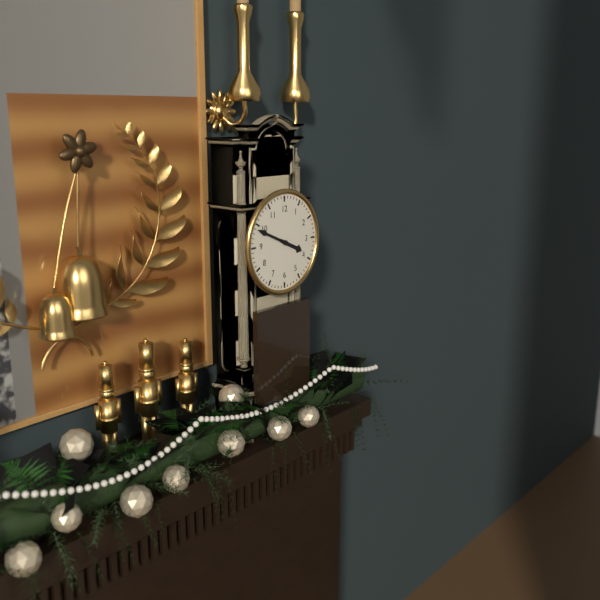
h=3 m=49
